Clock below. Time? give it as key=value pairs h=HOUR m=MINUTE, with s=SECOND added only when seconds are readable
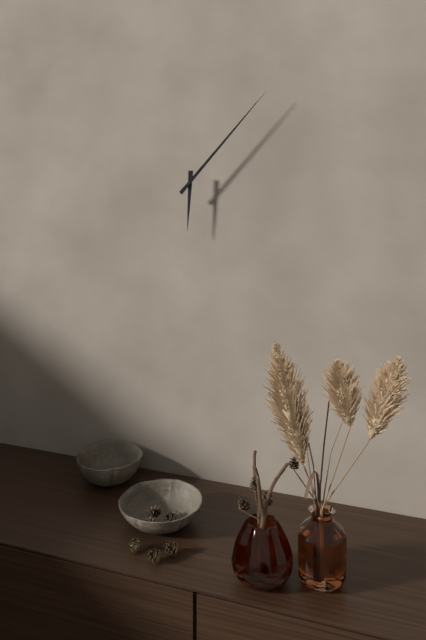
h=6 m=7
